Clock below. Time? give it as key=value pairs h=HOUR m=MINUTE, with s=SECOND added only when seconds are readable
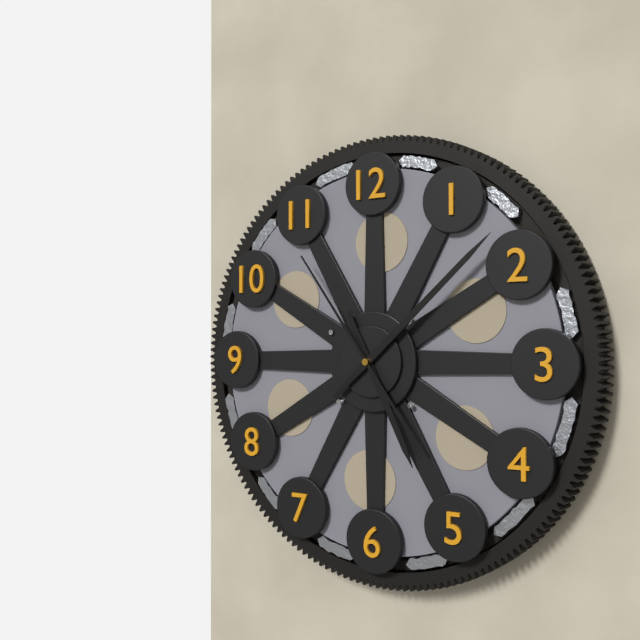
h=5 m=8 s=54
